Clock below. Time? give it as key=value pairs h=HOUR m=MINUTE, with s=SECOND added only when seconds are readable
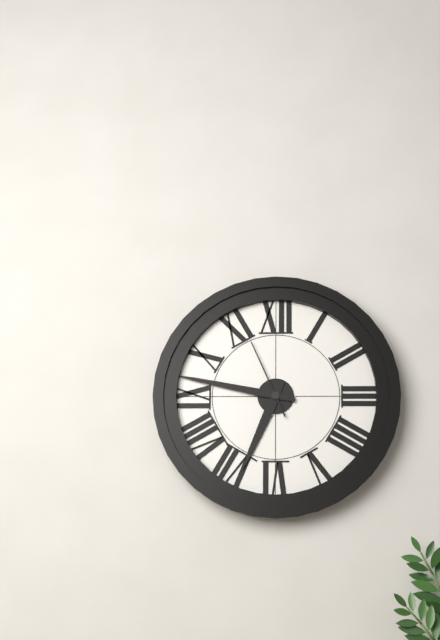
h=6 m=47 s=56
